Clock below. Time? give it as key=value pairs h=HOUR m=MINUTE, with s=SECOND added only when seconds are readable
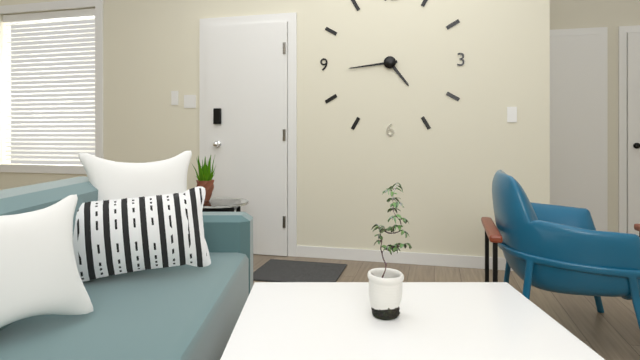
h=4 m=44
